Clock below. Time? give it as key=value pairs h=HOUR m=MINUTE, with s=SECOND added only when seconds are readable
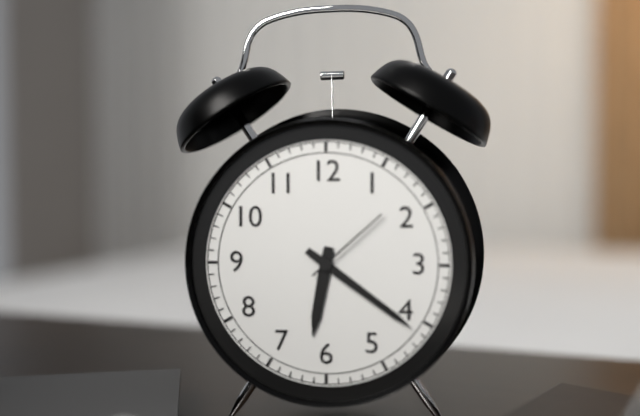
h=6 m=21 s=8
